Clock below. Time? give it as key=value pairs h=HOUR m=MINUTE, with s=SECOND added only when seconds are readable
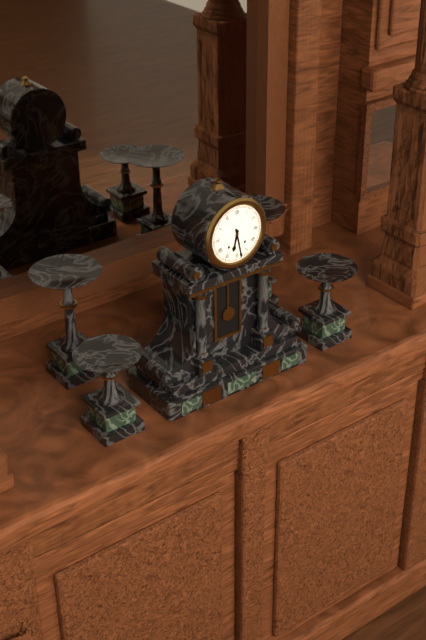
h=6 m=28
